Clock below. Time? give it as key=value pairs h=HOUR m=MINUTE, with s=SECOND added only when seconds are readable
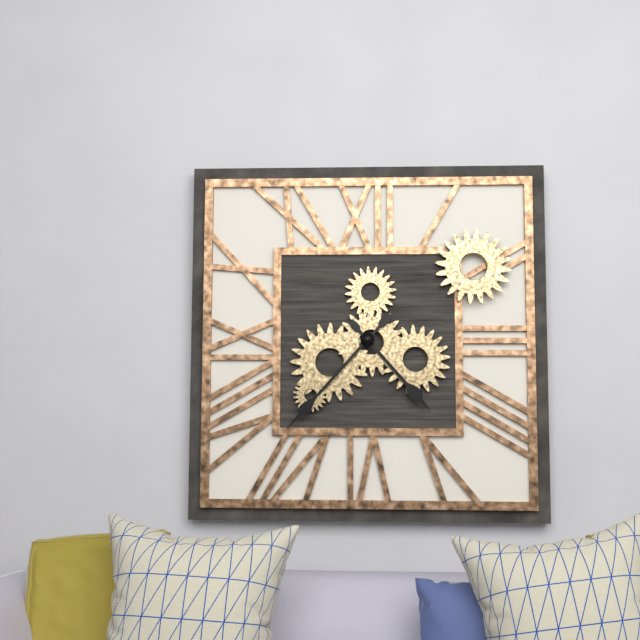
h=4 m=37
